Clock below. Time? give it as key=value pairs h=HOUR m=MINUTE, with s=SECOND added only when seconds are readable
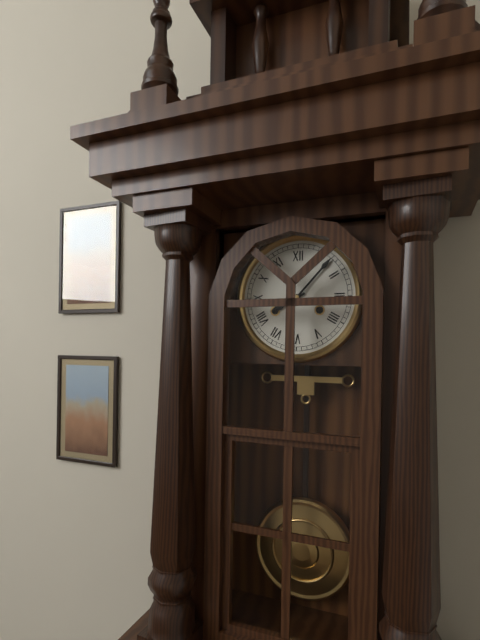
h=8 m=7
